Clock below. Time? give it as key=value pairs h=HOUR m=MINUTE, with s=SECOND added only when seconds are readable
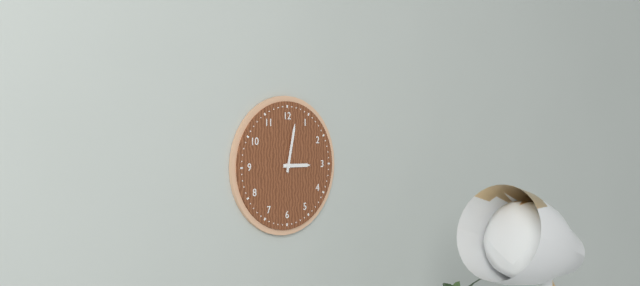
h=3 m=2
